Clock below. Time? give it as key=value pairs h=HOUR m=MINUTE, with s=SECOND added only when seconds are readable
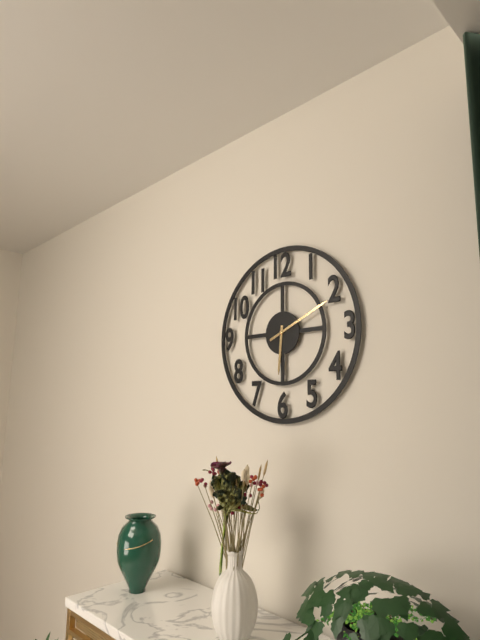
h=6 m=11
